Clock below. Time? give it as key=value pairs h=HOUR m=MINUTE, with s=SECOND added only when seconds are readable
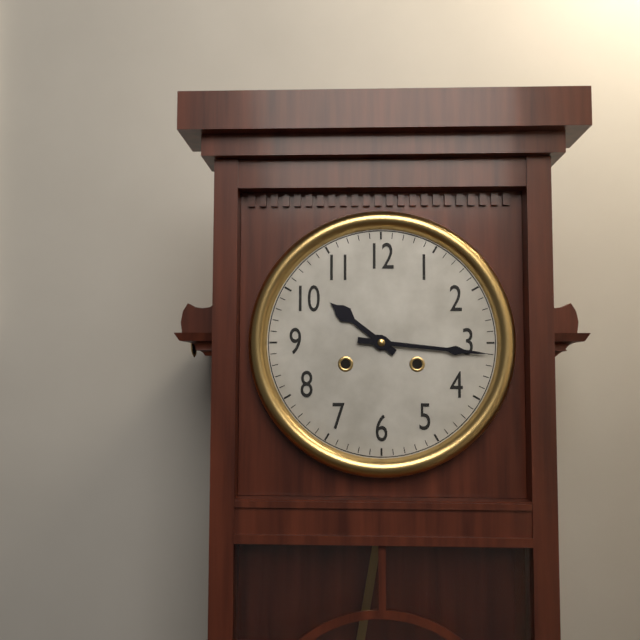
h=10 m=16
